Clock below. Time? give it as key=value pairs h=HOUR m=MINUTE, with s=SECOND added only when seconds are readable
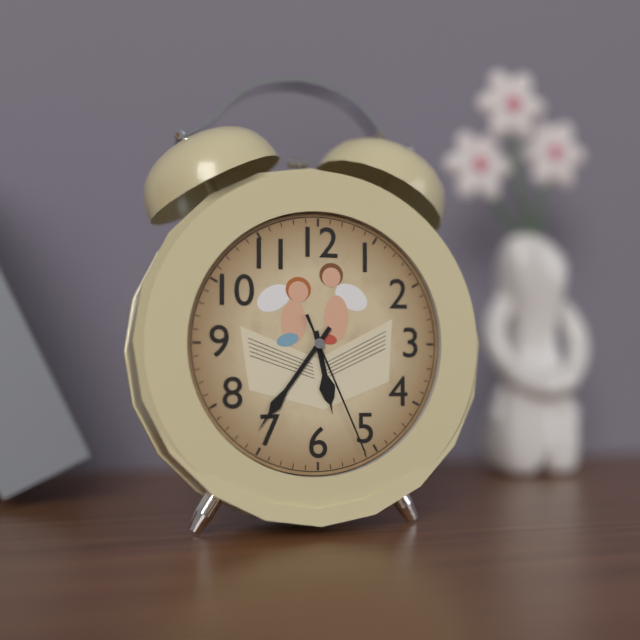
h=5 m=36 s=26
